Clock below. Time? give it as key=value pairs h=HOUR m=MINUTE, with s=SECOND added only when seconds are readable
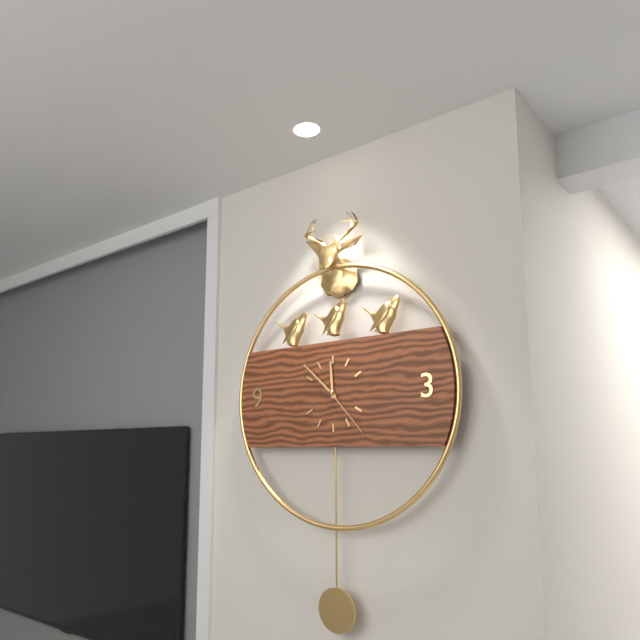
h=11 m=52 s=23
